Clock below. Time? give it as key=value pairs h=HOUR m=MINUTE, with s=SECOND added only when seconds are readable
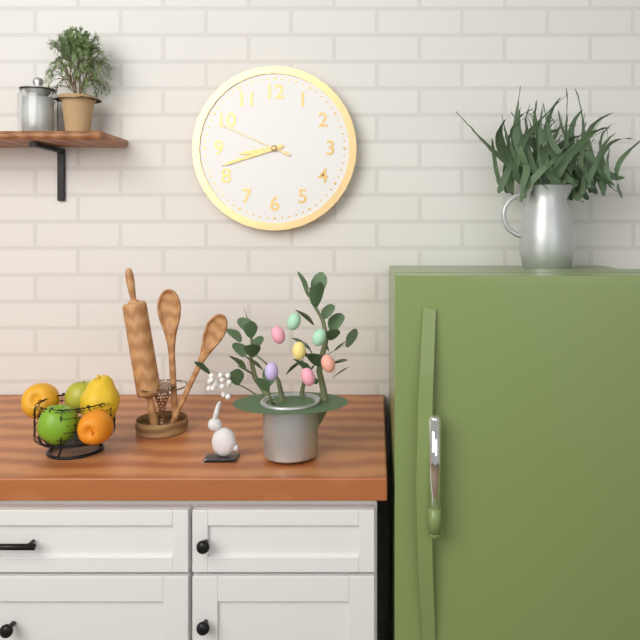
h=8 m=42 s=49
